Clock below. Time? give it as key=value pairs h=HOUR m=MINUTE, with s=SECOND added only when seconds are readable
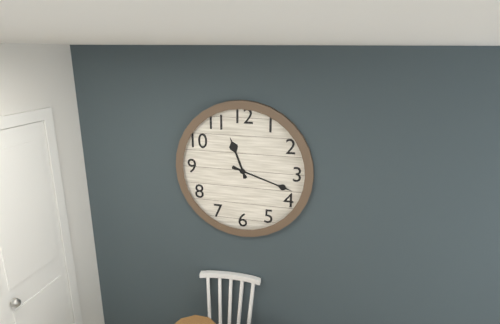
h=11 m=18
